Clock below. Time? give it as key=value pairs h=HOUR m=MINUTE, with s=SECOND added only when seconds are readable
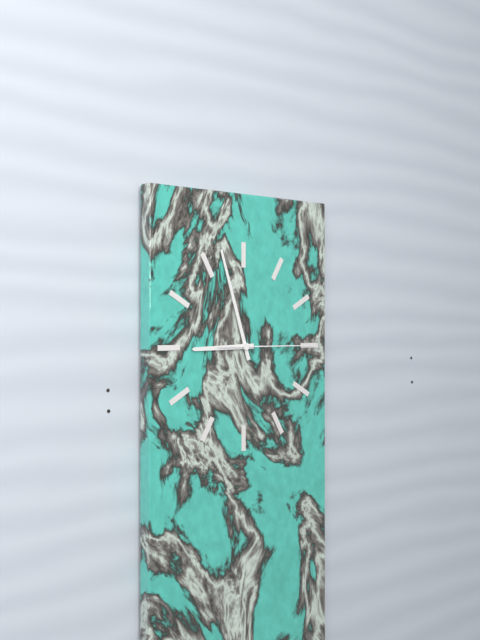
h=8 m=57 s=15
